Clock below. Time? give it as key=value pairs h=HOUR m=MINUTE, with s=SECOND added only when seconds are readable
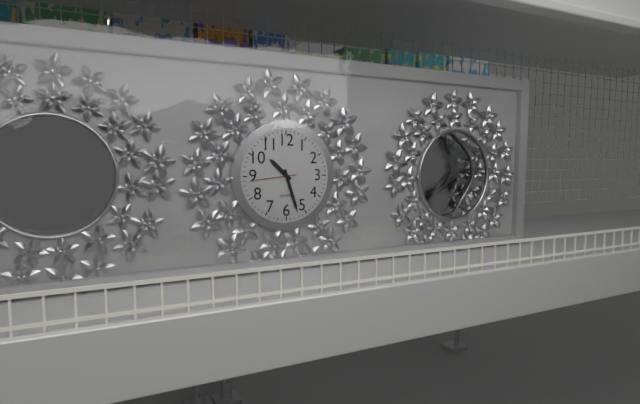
h=10 m=27 s=44
